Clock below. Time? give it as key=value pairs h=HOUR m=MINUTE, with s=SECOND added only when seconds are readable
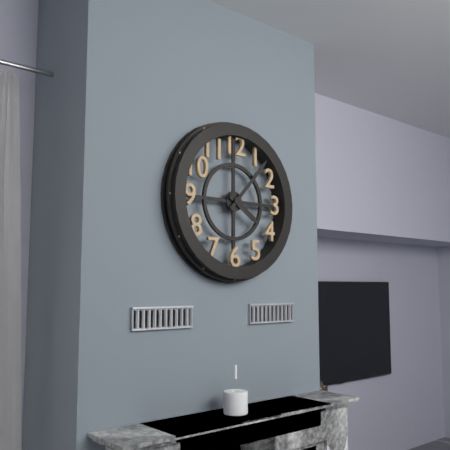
h=4 m=7
